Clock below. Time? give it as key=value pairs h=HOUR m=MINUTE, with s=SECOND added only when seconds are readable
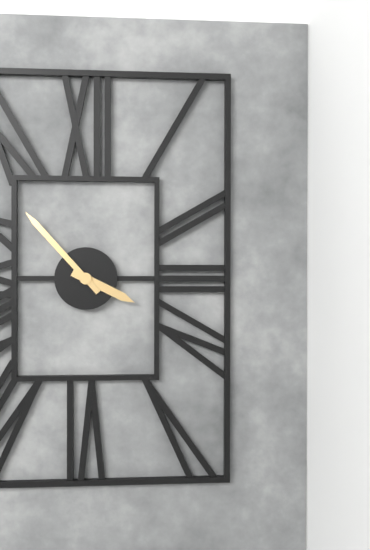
h=3 m=53
